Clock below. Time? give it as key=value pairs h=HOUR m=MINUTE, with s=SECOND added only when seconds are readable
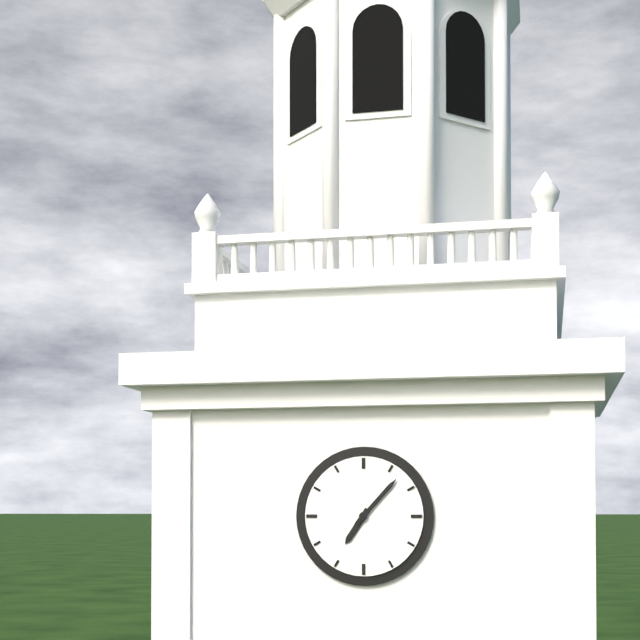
h=7 m=7
